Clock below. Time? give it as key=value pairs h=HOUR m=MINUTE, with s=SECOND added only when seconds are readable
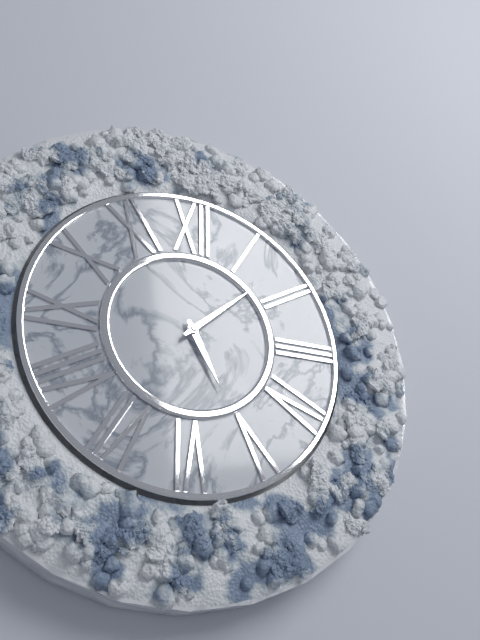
h=5 m=8
